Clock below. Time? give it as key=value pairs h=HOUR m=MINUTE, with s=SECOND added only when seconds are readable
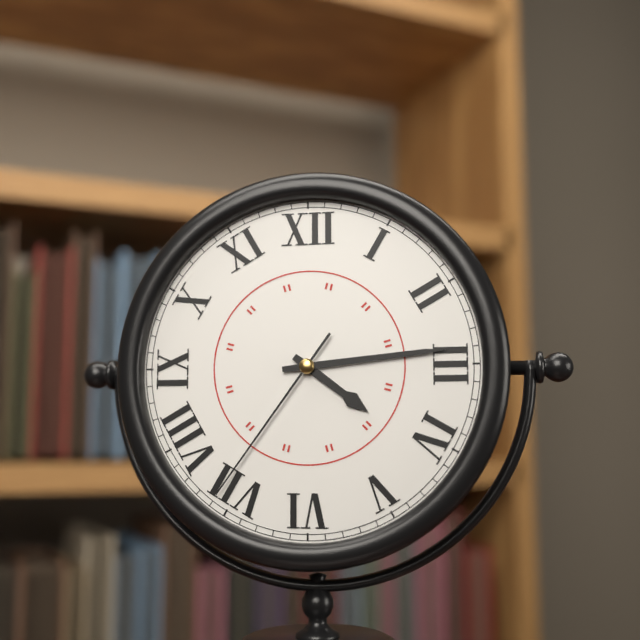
h=4 m=14 s=36
